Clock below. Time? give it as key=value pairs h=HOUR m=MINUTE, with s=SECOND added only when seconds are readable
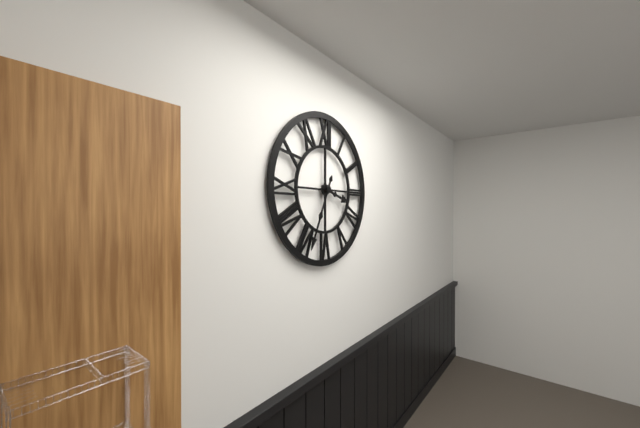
h=3 m=34
